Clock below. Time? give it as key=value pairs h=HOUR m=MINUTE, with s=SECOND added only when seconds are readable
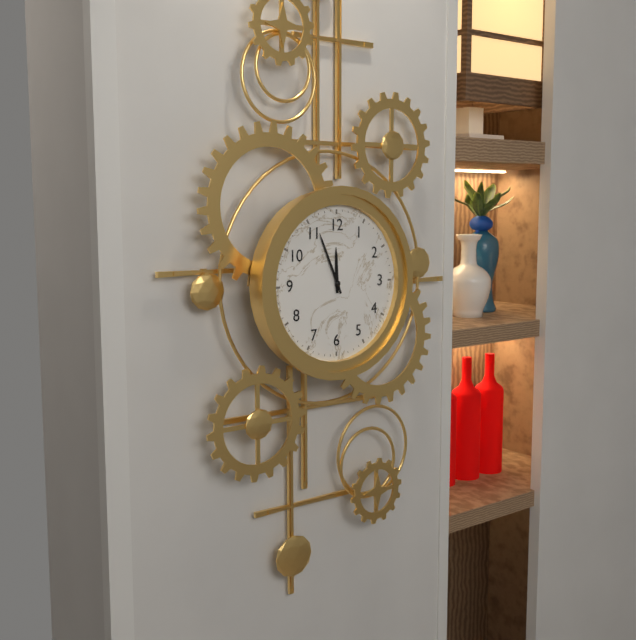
h=11 m=56
